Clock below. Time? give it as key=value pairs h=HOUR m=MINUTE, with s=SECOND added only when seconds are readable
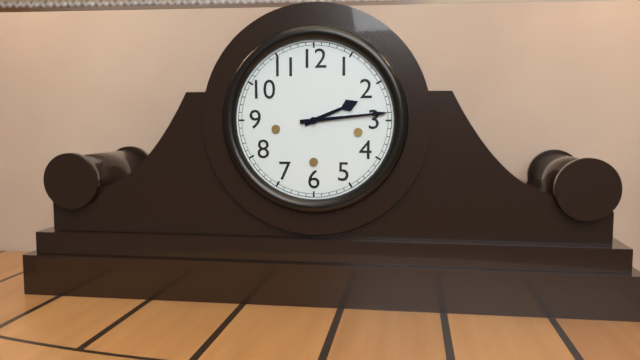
h=2 m=14
